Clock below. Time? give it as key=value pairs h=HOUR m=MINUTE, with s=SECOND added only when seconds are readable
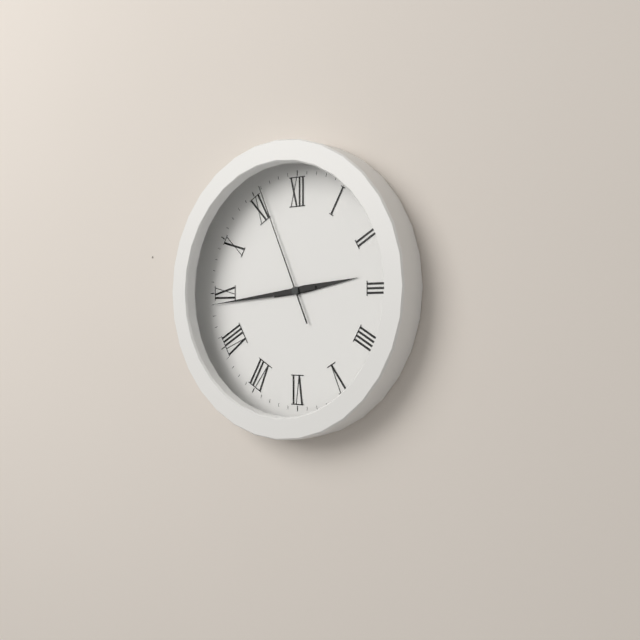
h=2 m=44 s=56
